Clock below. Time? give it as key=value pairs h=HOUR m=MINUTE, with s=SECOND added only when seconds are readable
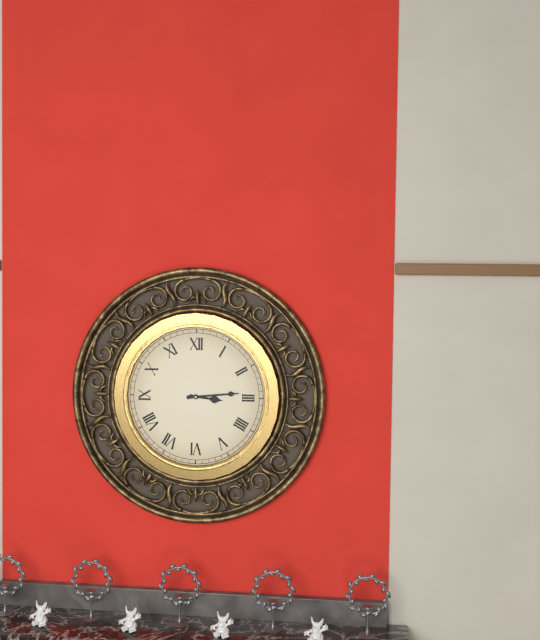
h=3 m=14
